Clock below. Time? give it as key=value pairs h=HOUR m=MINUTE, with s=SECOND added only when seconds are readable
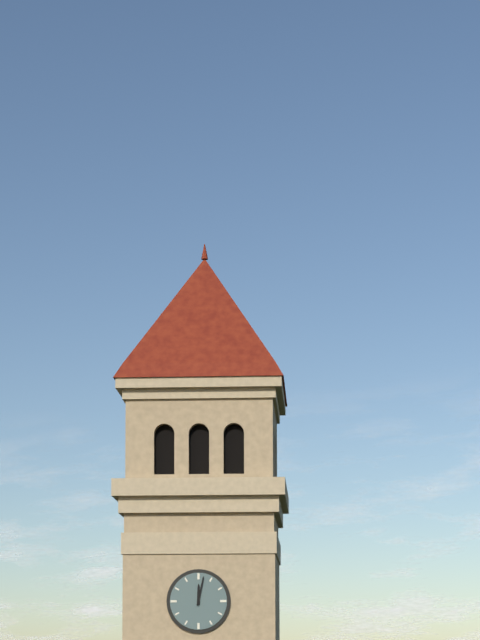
h=12 m=2
